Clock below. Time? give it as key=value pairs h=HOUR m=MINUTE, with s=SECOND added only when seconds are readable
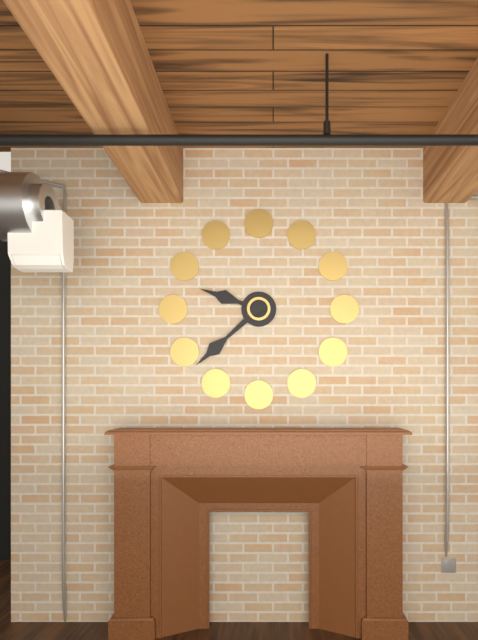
h=9 m=38
